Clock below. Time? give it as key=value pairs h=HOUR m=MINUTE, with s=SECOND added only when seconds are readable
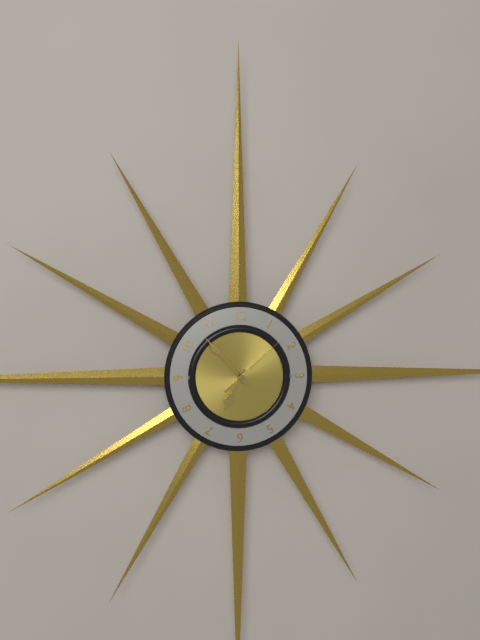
h=6 m=53 s=8
